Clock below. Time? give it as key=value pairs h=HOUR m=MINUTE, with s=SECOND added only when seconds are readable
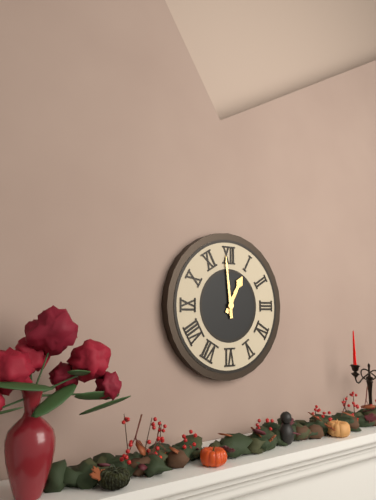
h=12 m=59
